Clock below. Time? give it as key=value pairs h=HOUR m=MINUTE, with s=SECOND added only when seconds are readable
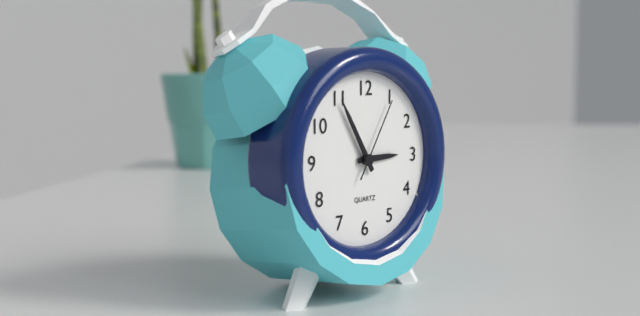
h=2 m=55 s=5
